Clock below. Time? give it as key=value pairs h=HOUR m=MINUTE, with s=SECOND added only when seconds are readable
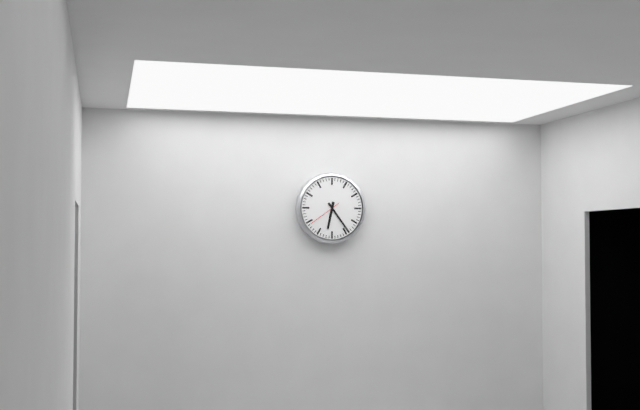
h=6 m=24
